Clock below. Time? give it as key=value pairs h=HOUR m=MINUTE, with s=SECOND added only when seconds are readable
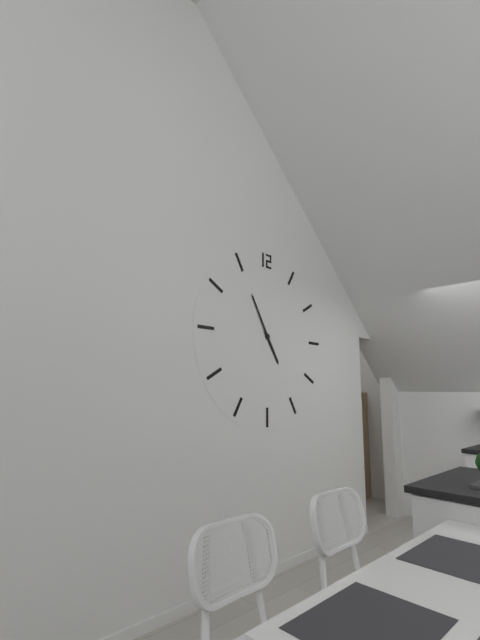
h=4 m=55
